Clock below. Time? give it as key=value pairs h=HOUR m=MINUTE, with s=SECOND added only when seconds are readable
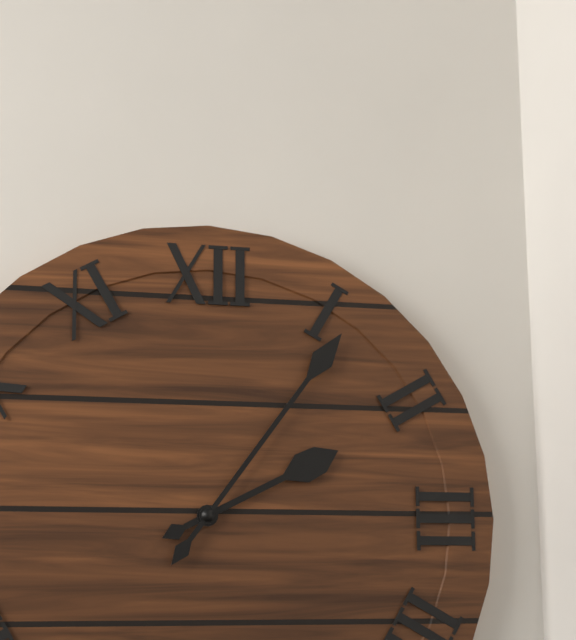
h=2 m=6
